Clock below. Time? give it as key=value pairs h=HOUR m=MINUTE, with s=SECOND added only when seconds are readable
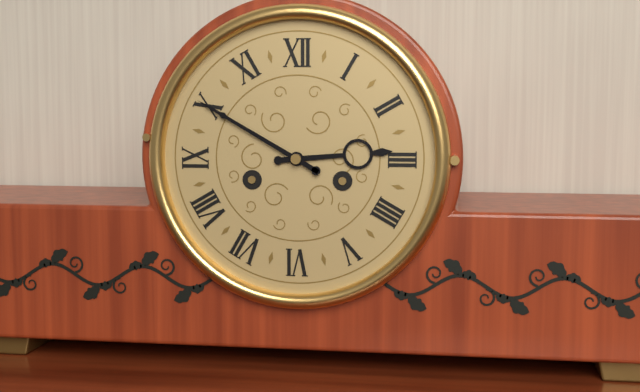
h=2 m=50
